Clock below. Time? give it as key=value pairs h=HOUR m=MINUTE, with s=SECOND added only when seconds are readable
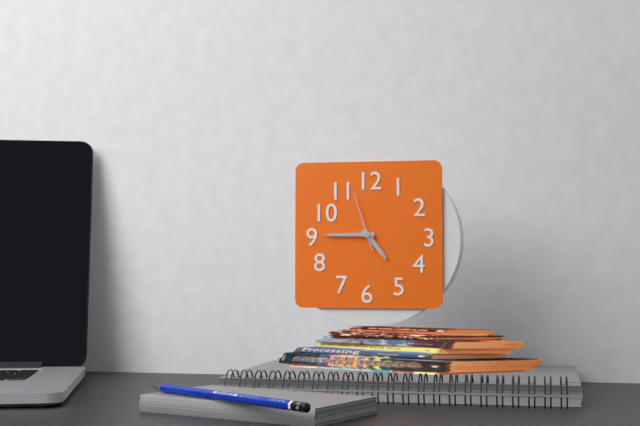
h=4 m=45 s=57
